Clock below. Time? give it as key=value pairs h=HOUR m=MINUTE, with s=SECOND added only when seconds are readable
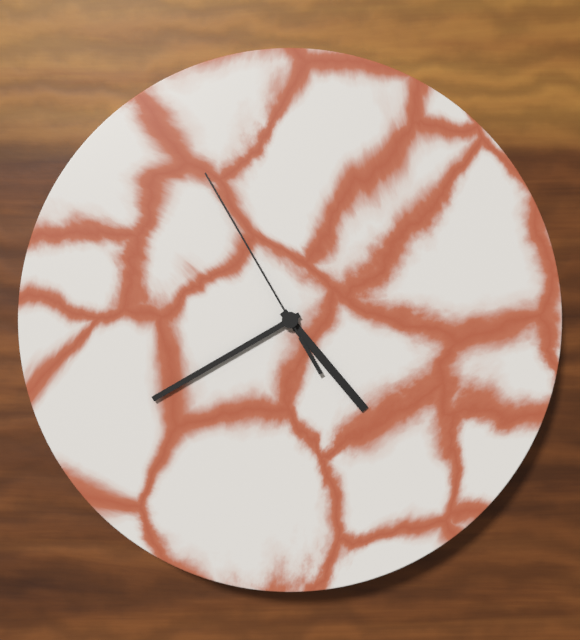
h=4 m=40 s=55
